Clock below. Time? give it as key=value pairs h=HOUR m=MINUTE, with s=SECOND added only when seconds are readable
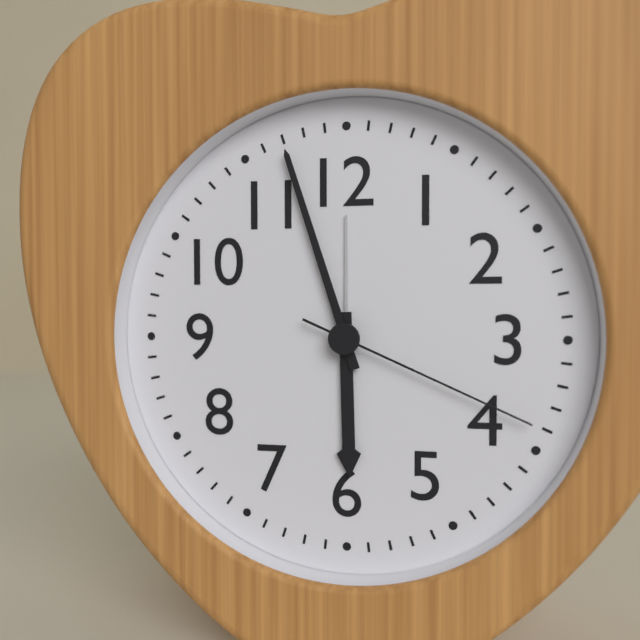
h=5 m=57 s=19
